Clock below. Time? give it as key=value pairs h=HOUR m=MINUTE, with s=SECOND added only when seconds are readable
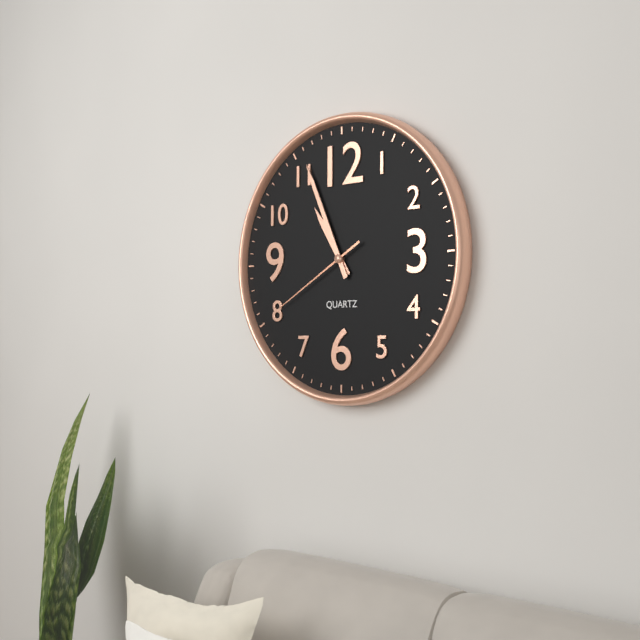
h=10 m=56 s=40
